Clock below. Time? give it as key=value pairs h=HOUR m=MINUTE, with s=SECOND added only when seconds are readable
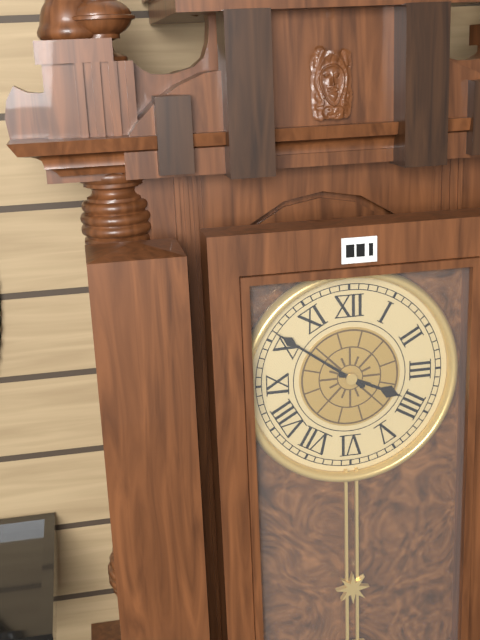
h=3 m=51
